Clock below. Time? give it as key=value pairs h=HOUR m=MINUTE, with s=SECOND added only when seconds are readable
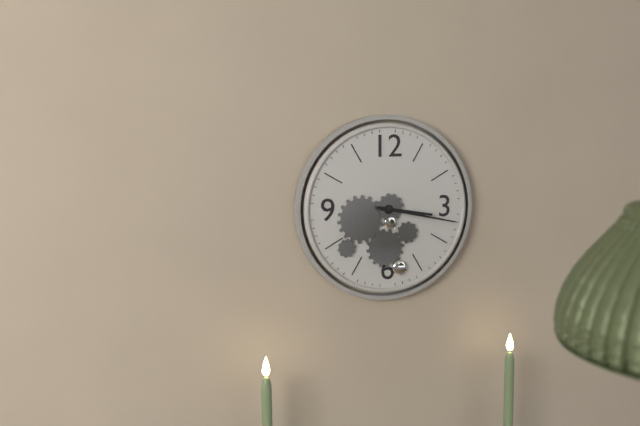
h=3 m=17
